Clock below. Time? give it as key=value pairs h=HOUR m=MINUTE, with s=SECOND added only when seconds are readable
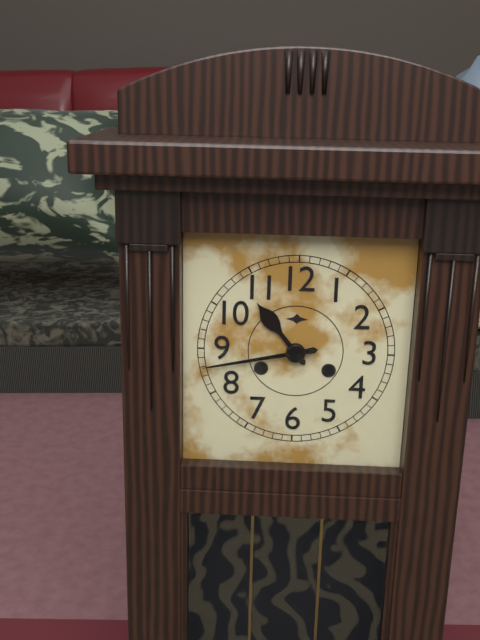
h=10 m=43
